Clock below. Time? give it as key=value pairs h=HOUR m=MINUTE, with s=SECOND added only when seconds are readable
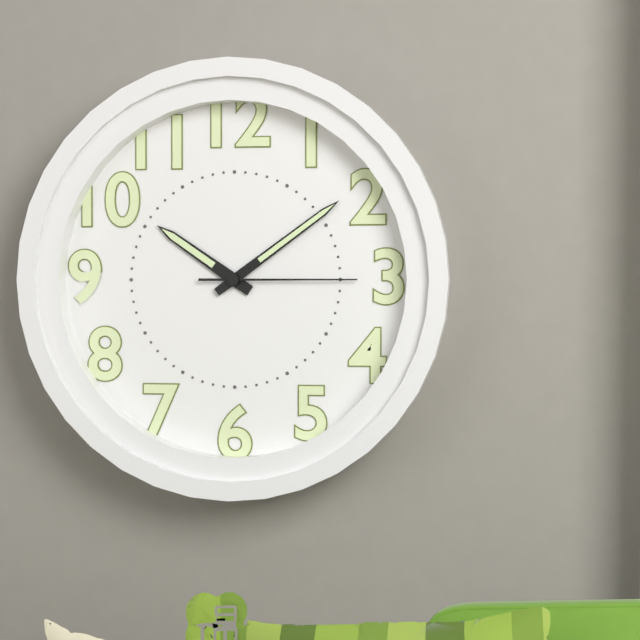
h=10 m=9 s=15
